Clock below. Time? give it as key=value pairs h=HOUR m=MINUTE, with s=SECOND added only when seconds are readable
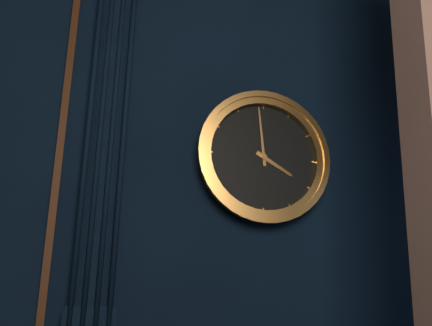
h=3 m=59
